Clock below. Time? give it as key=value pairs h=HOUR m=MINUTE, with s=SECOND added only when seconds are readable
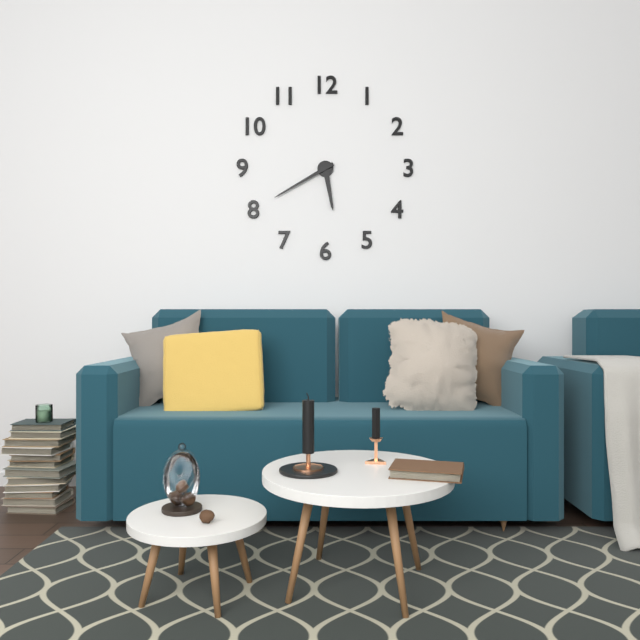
h=5 m=40
